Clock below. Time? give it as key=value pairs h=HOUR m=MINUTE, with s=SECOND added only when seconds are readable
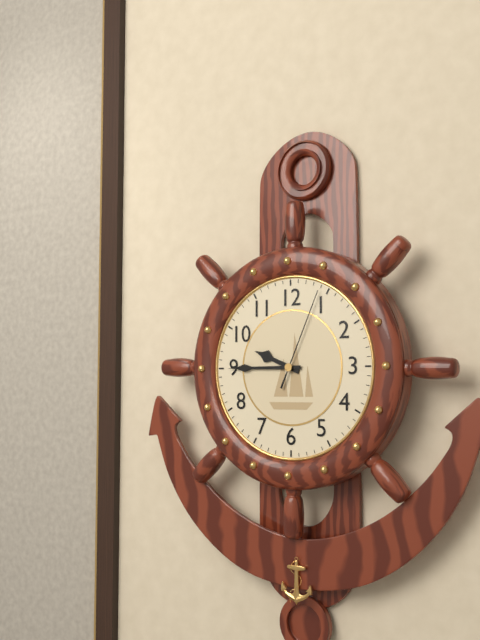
h=9 m=45 s=4
